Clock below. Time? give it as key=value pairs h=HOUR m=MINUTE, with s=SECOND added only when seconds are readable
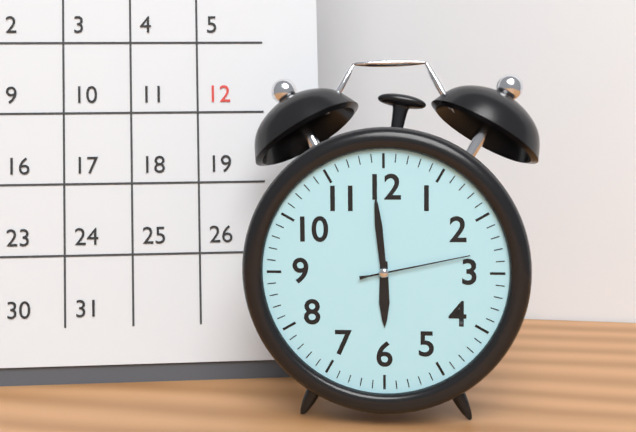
h=5 m=59 s=13
